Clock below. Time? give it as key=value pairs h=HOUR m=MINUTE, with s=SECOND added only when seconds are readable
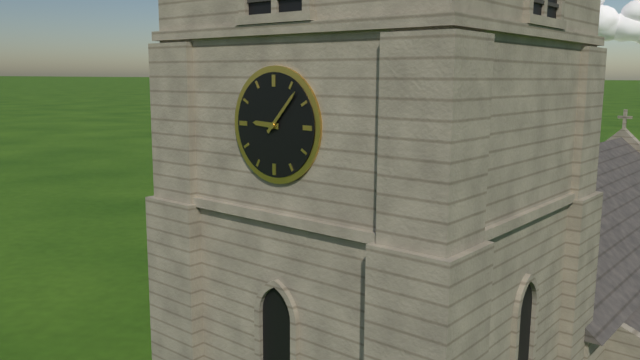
h=9 m=7
